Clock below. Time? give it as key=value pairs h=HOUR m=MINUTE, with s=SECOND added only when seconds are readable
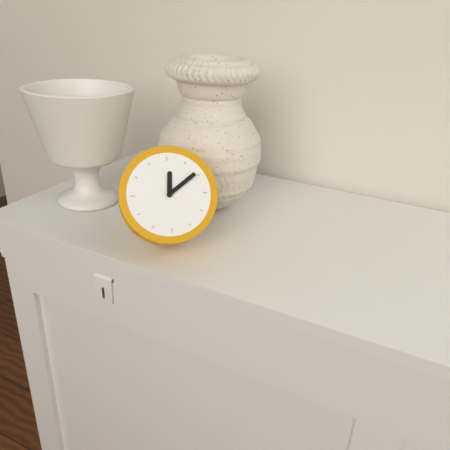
h=12 m=9
